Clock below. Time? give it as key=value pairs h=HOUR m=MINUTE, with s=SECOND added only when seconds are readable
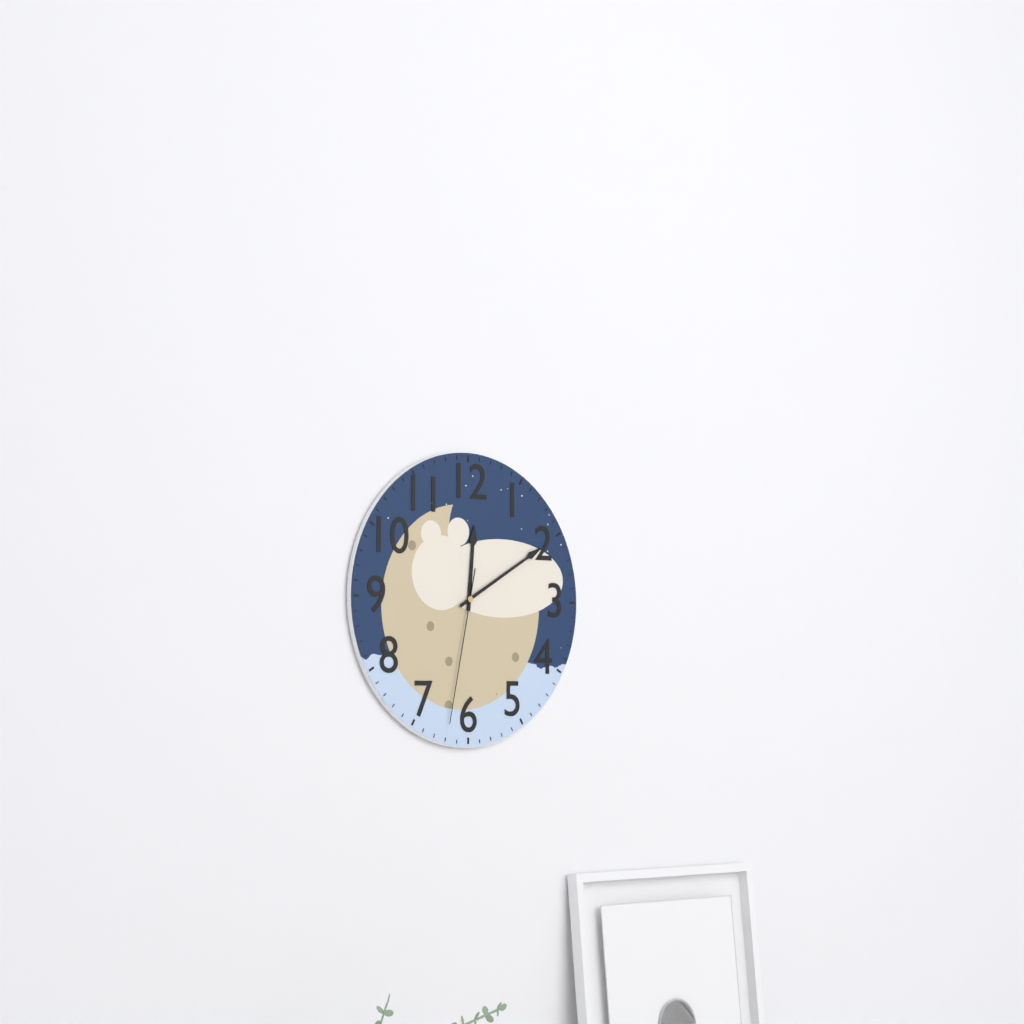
h=12 m=10 s=32
